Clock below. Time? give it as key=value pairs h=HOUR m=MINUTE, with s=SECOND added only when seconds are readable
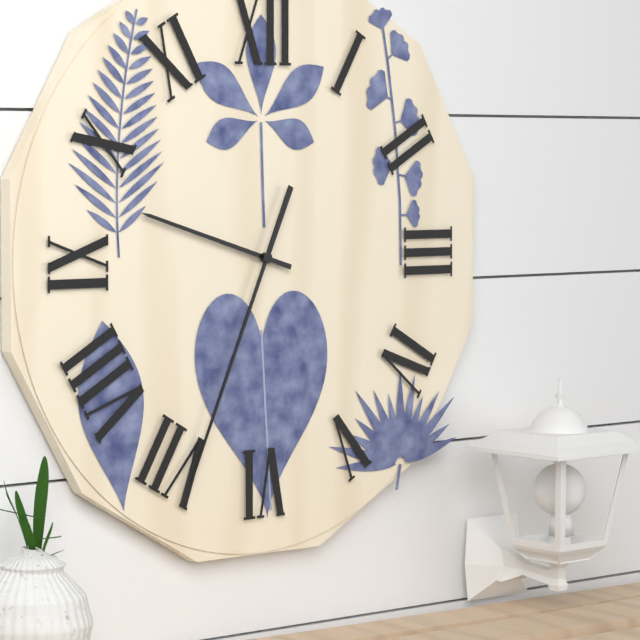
h=9 m=34
